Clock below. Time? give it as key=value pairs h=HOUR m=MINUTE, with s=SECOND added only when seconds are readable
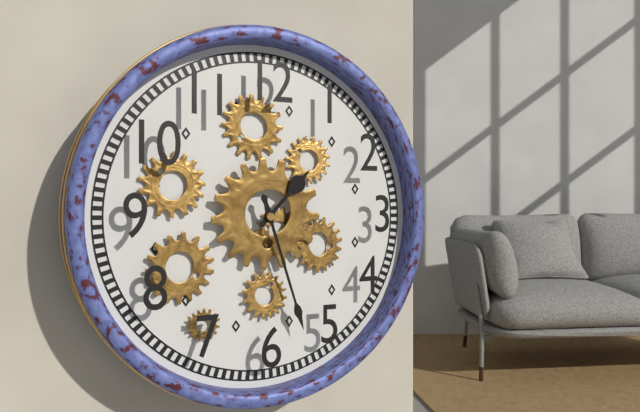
h=1 m=27
